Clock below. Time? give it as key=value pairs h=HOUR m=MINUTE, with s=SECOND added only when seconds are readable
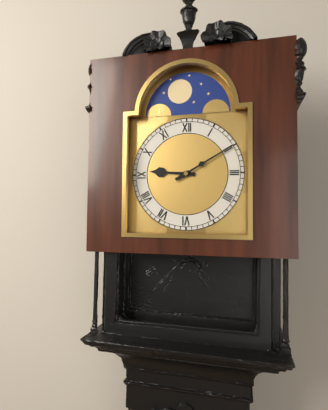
h=9 m=10
